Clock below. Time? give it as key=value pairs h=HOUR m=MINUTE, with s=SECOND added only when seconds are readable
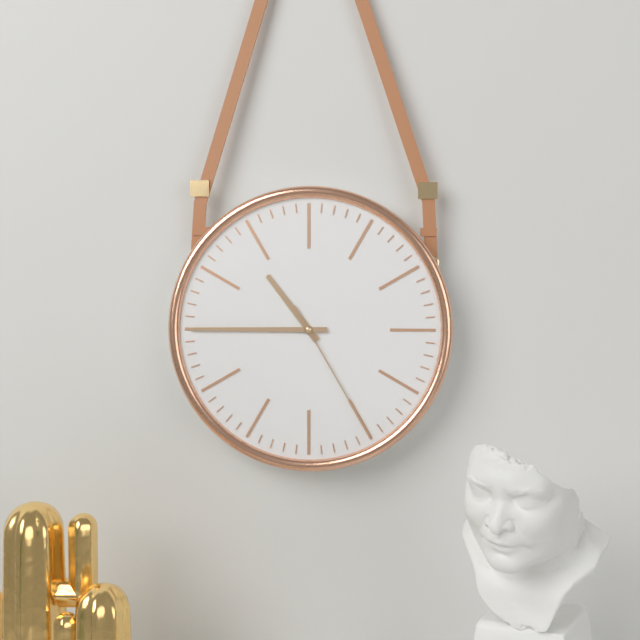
h=10 m=45 s=25
